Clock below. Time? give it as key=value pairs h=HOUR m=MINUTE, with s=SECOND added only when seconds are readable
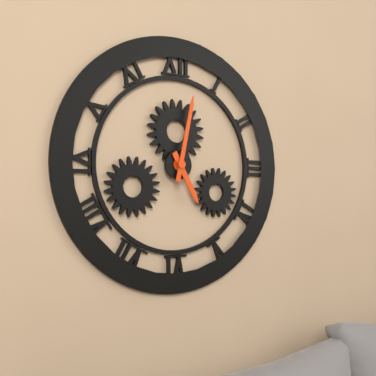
h=5 m=2
